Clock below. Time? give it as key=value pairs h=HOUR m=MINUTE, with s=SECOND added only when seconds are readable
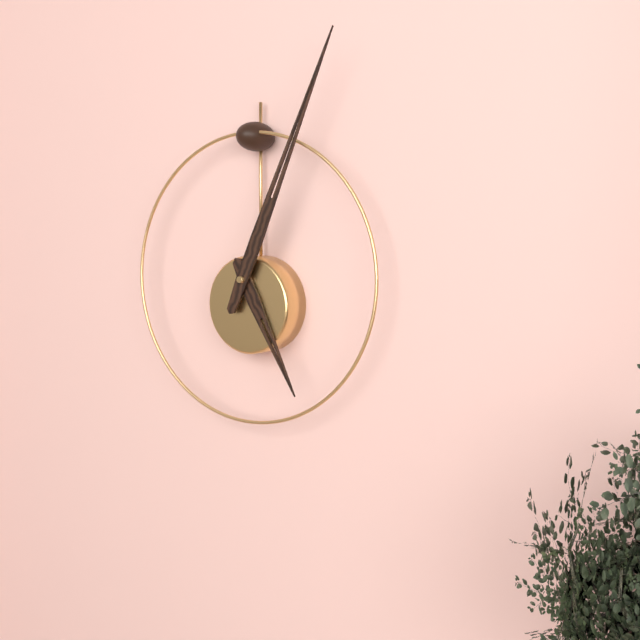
h=5 m=4
